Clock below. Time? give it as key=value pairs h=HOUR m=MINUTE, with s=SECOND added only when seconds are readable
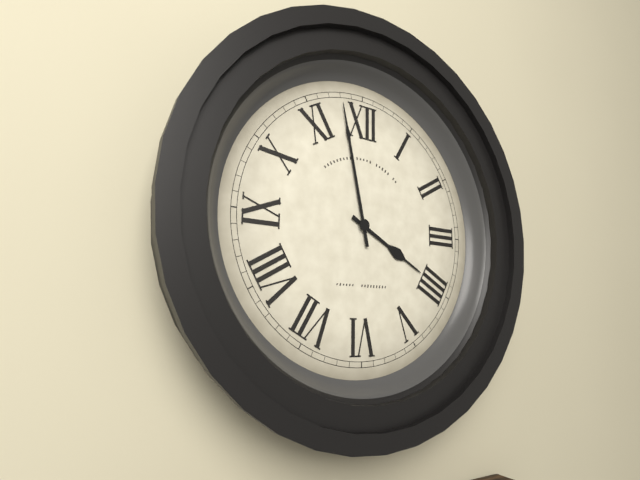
h=3 m=58
